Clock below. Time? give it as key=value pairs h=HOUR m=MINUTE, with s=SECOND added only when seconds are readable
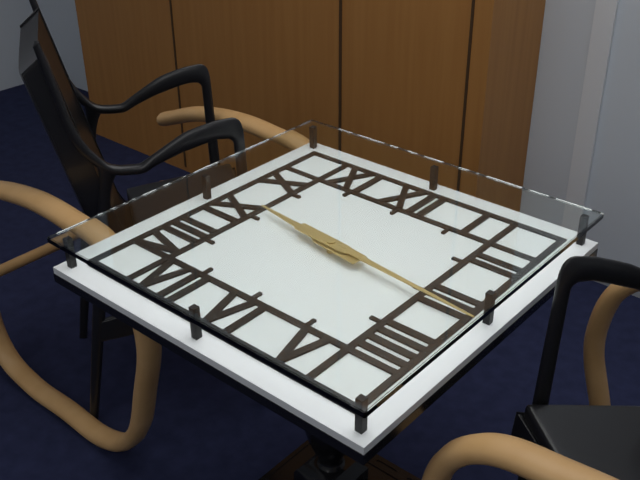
h=9 m=16
